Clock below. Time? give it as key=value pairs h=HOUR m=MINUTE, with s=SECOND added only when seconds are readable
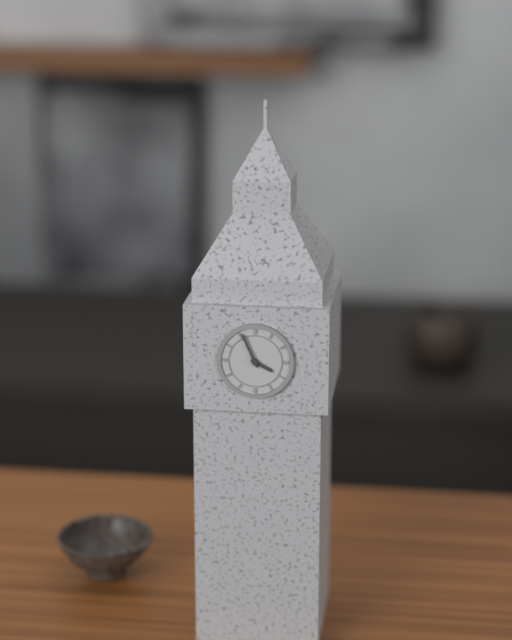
h=3 m=56
